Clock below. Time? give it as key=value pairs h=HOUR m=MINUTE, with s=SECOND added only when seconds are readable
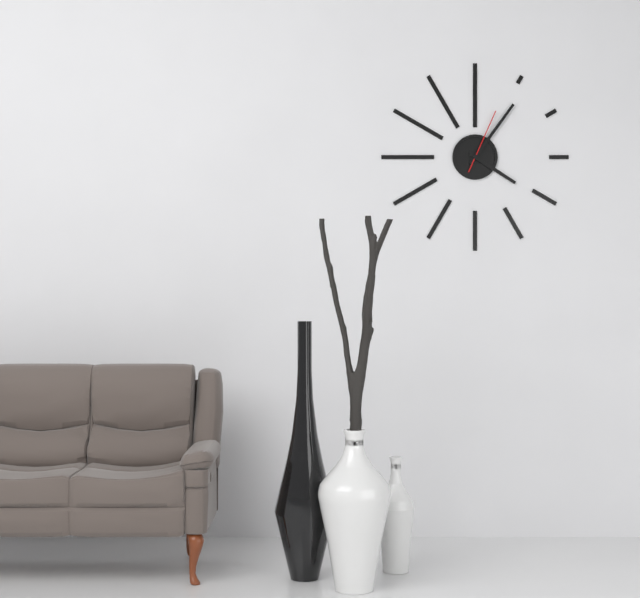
h=4 m=6 s=4
